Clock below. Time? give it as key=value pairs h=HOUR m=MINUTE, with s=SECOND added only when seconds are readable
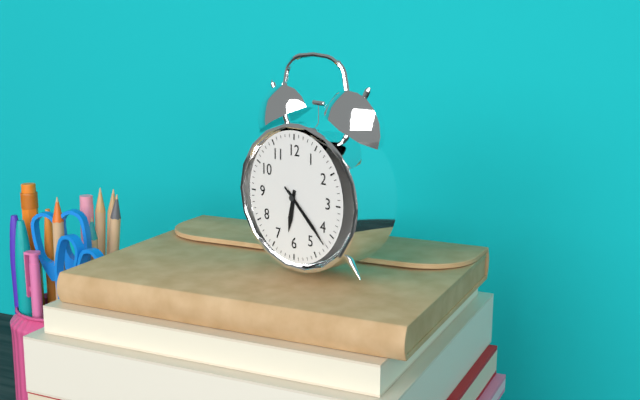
h=6 m=22 s=22
